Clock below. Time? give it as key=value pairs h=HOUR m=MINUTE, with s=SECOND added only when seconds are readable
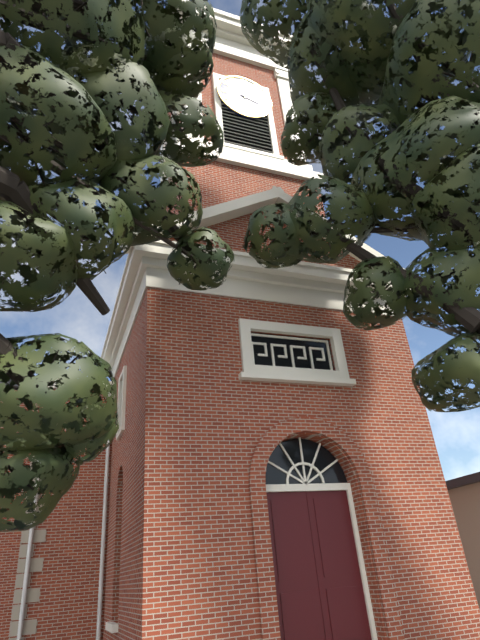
h=12 m=18
